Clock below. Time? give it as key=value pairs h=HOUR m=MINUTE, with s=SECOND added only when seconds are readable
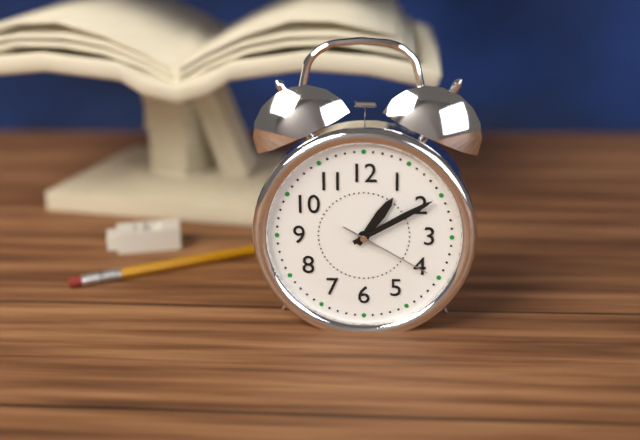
h=1 m=10 s=20
